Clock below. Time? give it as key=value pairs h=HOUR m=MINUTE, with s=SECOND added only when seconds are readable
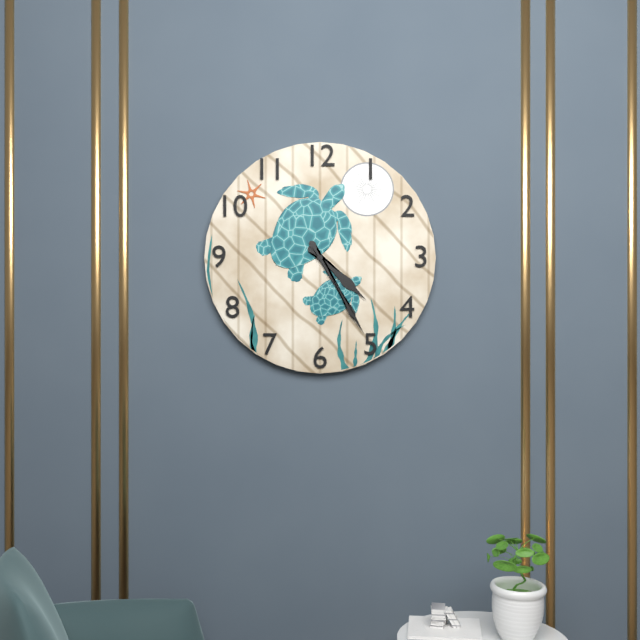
h=4 m=25
